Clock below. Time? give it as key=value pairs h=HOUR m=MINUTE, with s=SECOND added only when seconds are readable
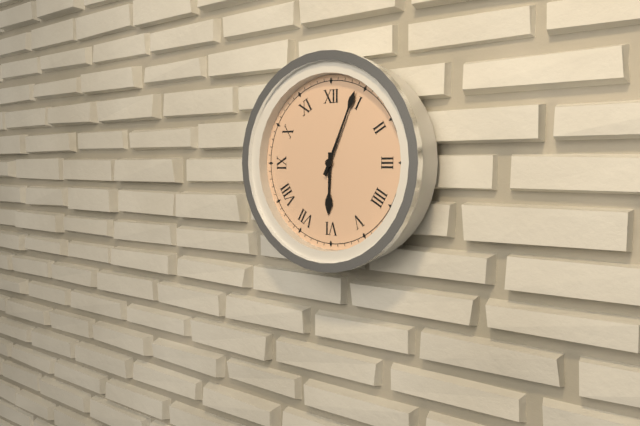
h=6 m=4
